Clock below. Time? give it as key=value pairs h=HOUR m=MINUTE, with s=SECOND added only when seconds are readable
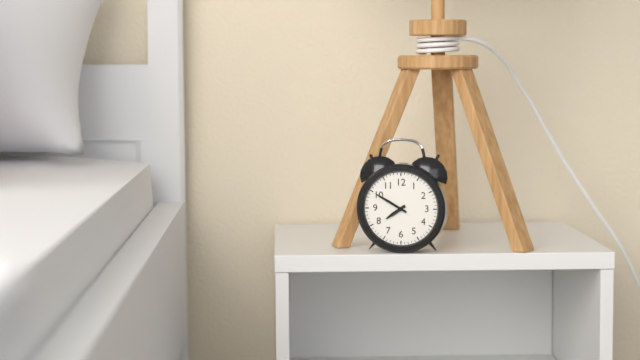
h=7 m=50
